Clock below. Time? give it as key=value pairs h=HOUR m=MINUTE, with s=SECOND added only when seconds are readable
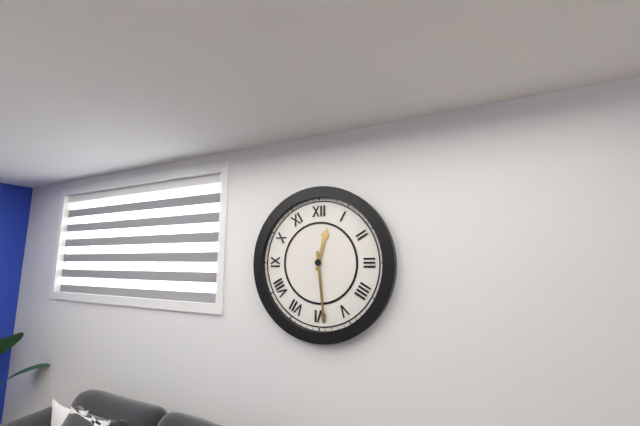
h=12 m=29
